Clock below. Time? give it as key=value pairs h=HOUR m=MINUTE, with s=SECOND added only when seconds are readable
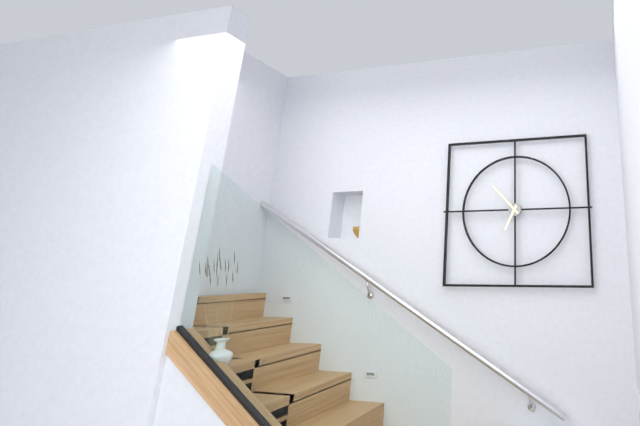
h=6 m=53
